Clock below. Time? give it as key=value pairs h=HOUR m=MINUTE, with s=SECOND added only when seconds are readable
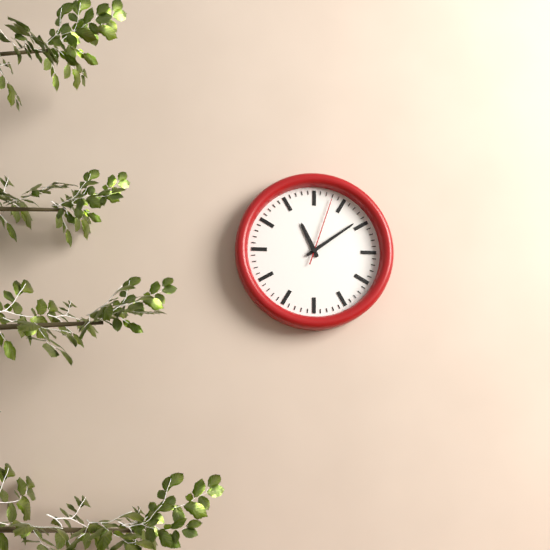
h=11 m=9 s=3
